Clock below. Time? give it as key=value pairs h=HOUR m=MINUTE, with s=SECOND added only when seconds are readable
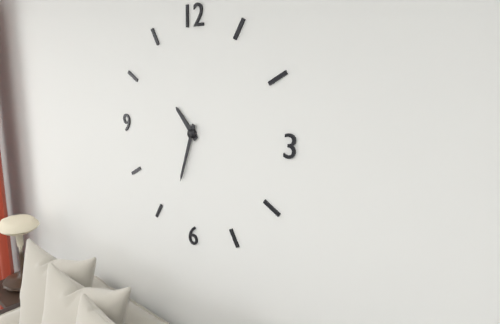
h=10 m=33
